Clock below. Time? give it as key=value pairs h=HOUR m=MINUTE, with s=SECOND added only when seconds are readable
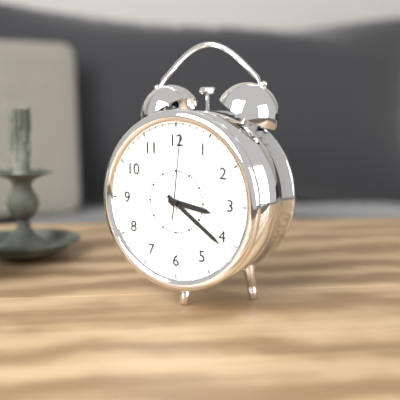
h=3 m=21 s=1
